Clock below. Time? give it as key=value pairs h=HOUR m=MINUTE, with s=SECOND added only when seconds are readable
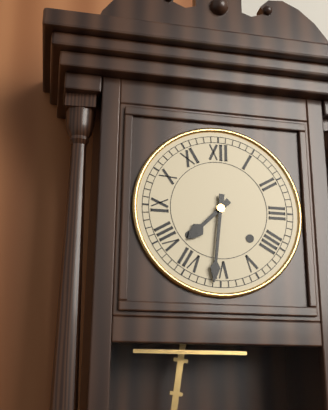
h=7 m=31
